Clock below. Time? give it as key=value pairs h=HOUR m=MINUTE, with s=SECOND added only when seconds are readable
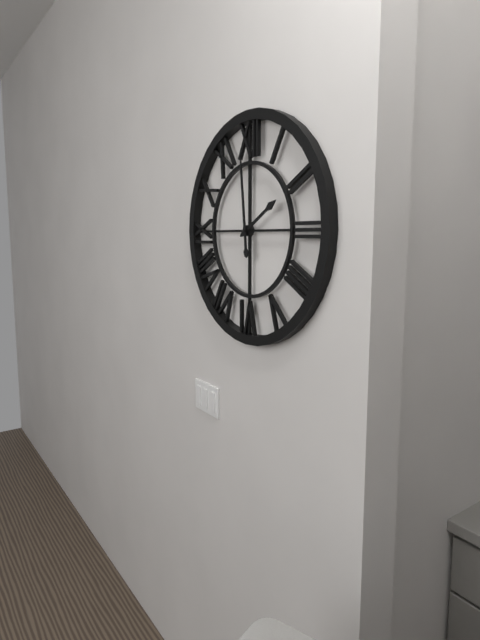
h=1 m=59
